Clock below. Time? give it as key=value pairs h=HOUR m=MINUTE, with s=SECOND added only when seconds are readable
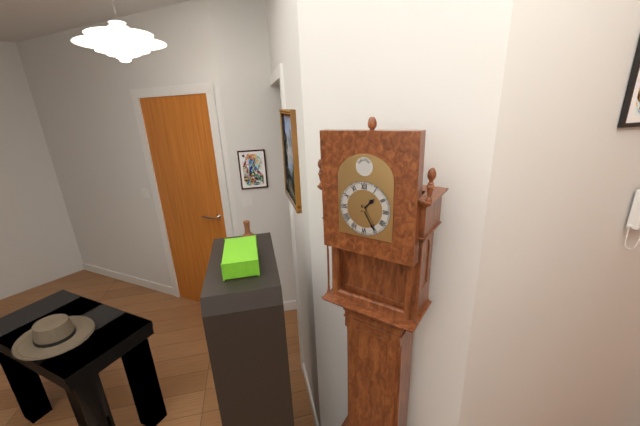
h=1 m=25
